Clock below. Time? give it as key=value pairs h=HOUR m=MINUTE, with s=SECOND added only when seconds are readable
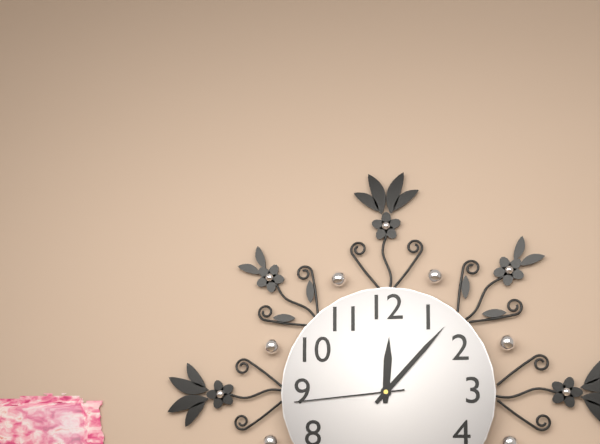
h=12 m=7 s=44
